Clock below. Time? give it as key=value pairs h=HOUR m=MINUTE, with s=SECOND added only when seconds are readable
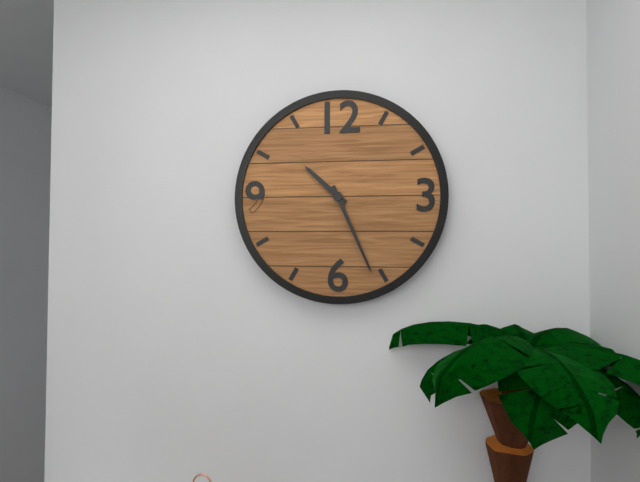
h=10 m=26
